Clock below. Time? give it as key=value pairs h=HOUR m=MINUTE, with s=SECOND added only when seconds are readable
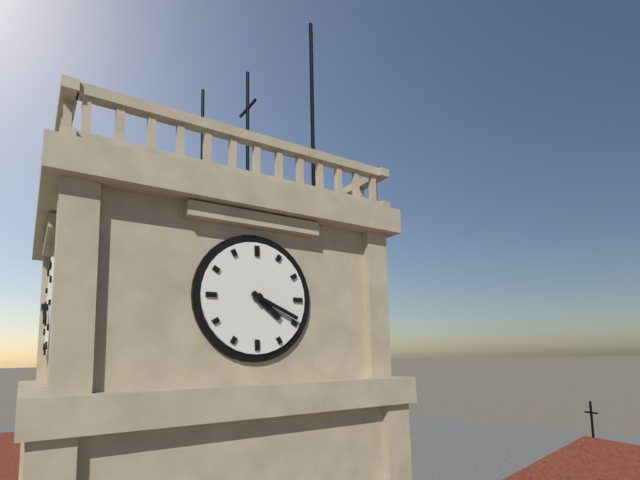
h=4 m=19
